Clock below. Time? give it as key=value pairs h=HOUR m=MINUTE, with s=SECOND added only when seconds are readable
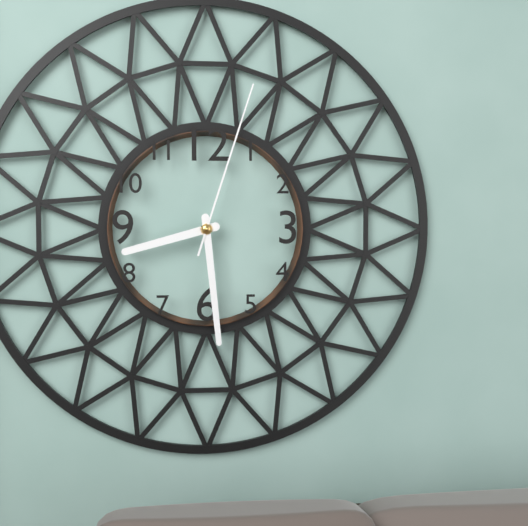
h=8 m=29 s=3
